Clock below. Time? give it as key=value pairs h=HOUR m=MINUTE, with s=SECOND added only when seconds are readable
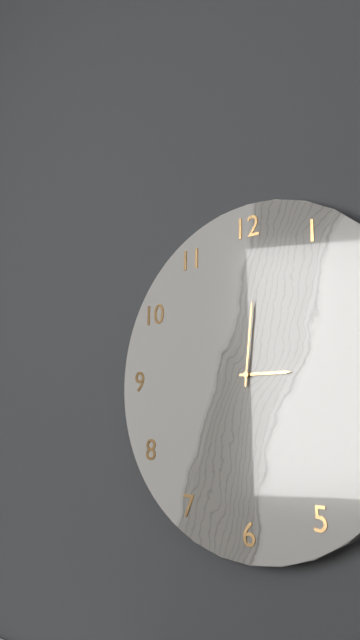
h=3 m=1
